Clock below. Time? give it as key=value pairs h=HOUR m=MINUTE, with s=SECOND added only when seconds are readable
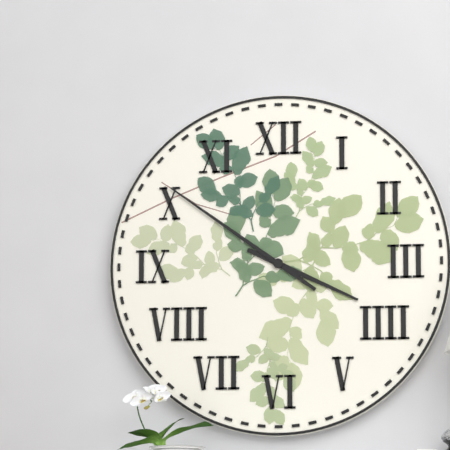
h=3 m=51
